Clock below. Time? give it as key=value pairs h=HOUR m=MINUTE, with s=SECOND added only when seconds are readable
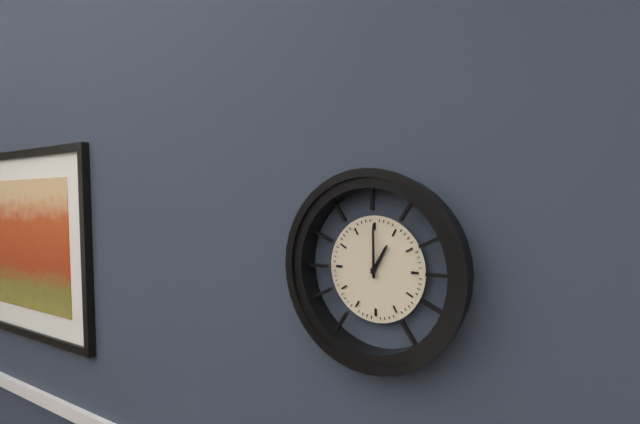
h=1 m=0
